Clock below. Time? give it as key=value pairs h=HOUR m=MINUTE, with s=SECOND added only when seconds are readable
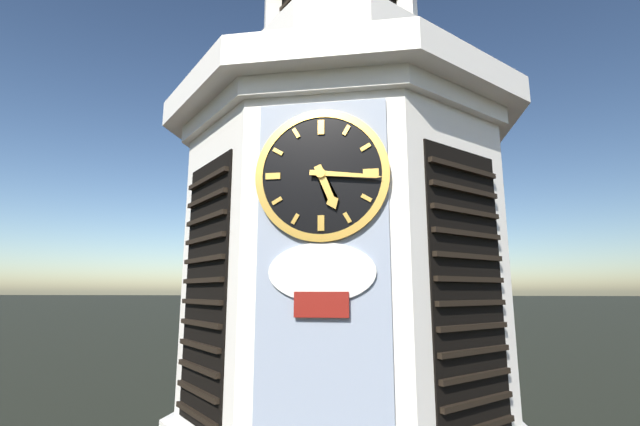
h=5 m=16
